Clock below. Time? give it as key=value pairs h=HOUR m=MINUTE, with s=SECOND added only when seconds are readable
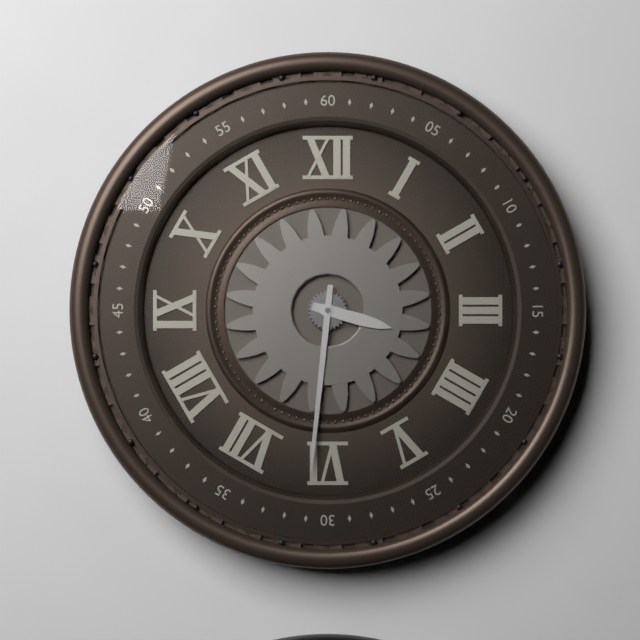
h=3 m=31
